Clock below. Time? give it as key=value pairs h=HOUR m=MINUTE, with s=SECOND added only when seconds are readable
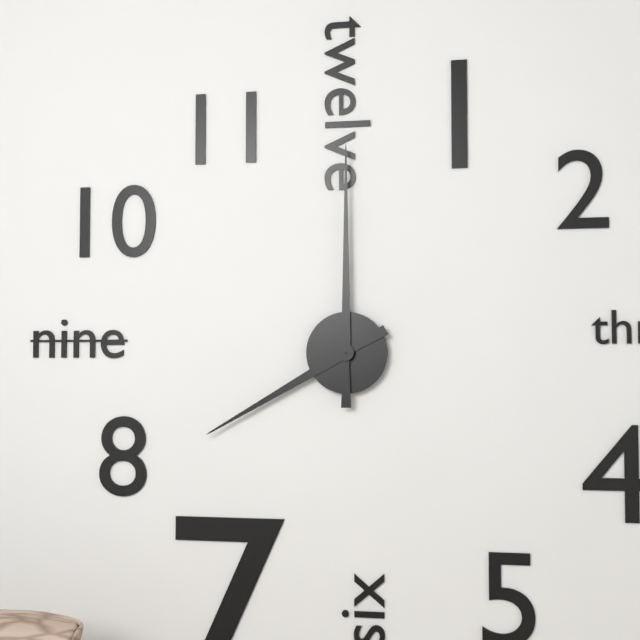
h=8 m=0
